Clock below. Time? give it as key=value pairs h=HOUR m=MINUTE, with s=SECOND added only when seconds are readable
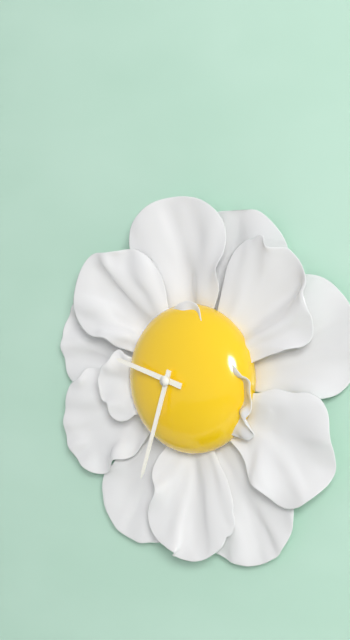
h=9 m=33
